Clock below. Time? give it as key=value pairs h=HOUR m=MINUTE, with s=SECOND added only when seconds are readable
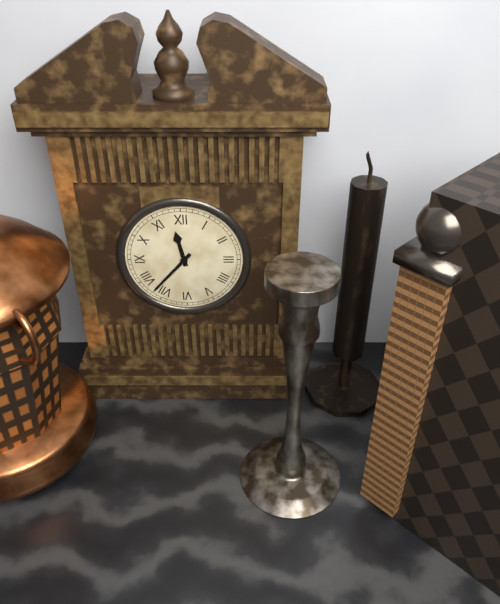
h=11 m=37
